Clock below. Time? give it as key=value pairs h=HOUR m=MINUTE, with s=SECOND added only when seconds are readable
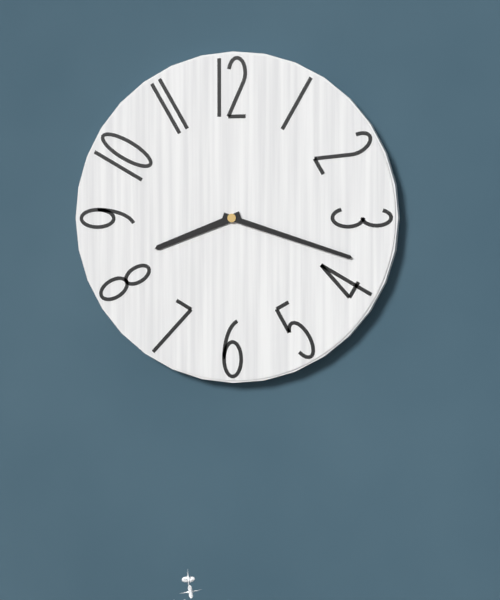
h=8 m=18
